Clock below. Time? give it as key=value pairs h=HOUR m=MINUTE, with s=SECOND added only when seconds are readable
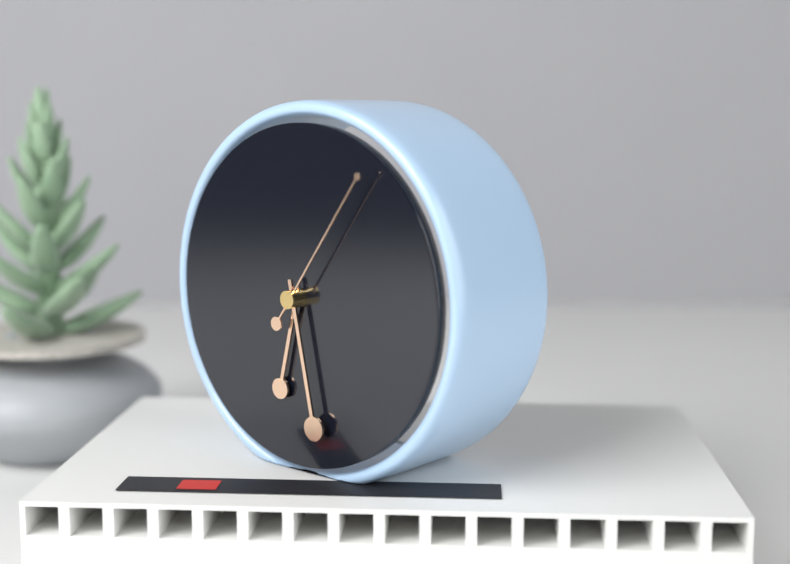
h=6 m=28 s=6
